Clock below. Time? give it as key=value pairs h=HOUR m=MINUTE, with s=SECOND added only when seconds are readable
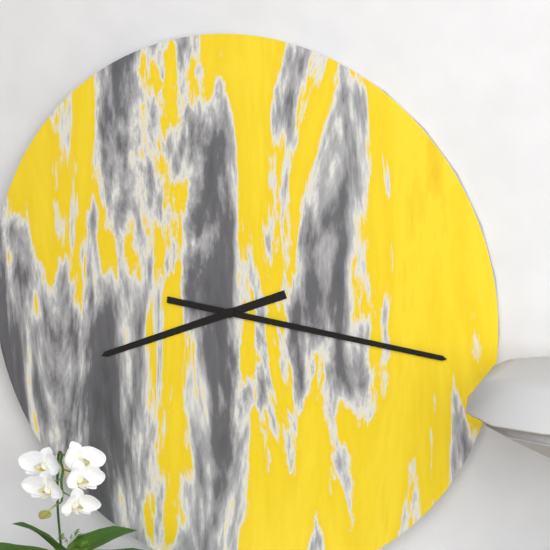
h=8 m=16
